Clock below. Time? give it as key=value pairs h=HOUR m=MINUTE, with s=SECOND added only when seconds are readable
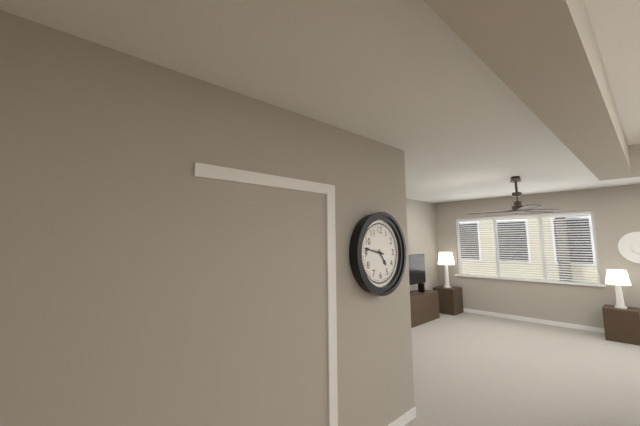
h=4 m=47
